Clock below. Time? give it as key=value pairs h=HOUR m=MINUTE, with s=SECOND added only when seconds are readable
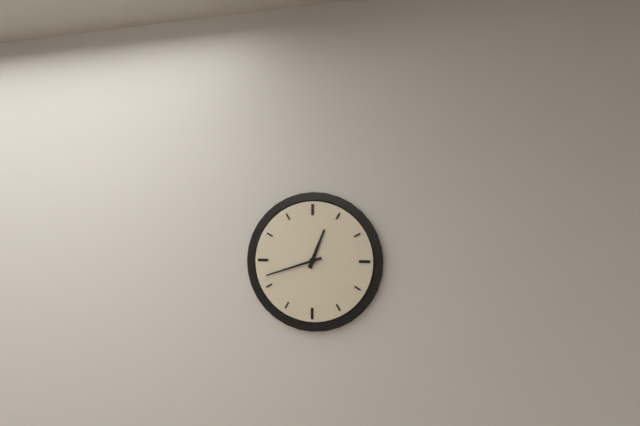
h=12 m=42
